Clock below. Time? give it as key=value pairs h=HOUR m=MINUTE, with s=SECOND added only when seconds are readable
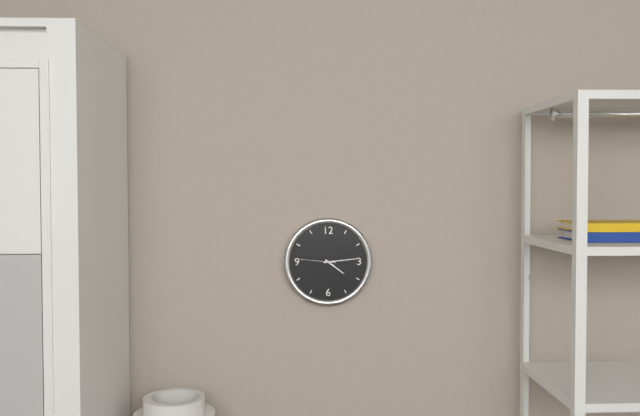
h=4 m=14
